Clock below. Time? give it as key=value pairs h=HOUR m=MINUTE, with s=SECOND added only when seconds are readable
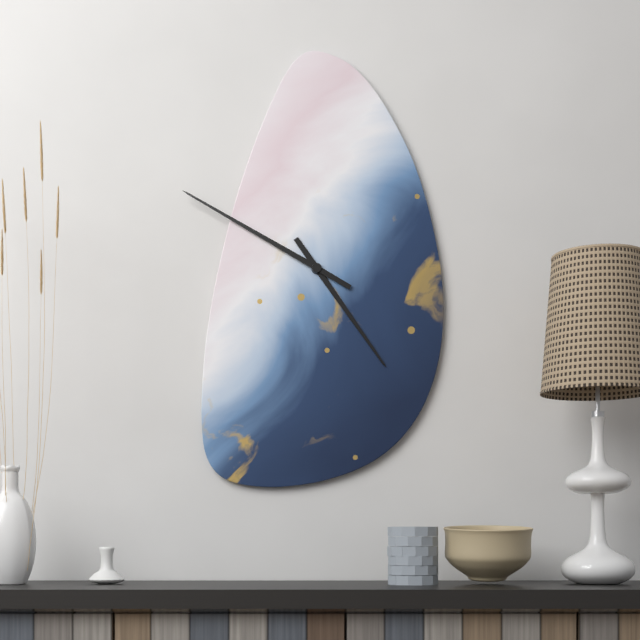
h=4 m=50
